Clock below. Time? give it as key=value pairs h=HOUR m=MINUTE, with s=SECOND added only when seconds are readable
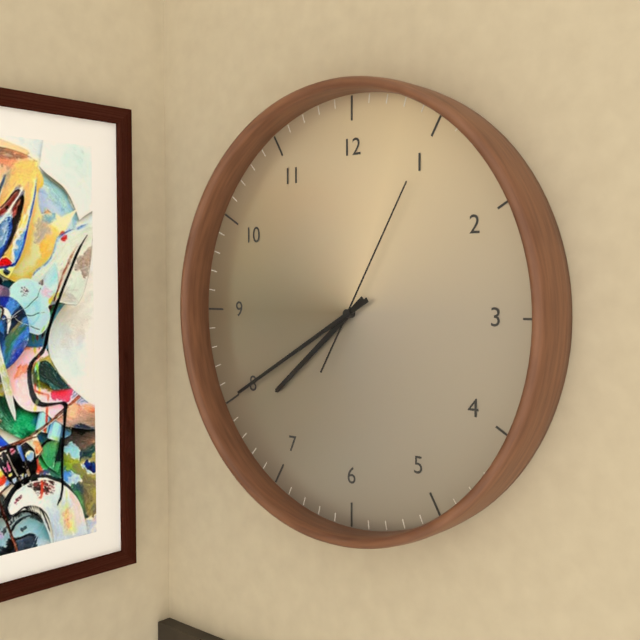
h=7 m=40 s=5
